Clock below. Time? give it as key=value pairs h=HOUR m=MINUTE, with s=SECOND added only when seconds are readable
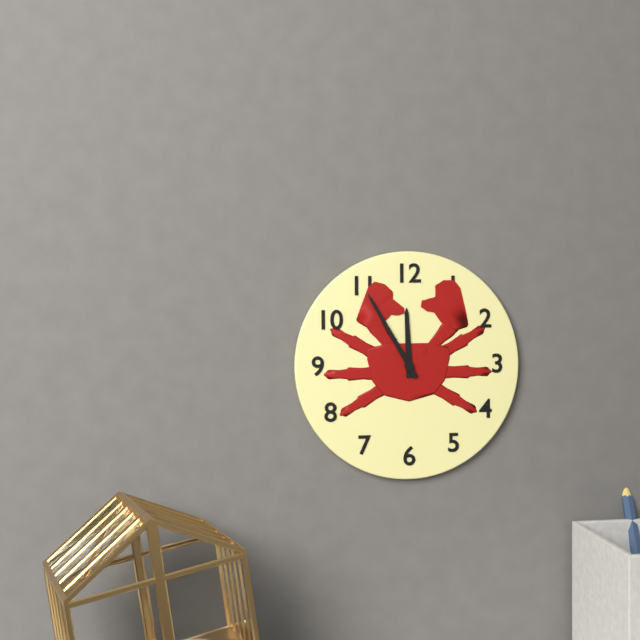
h=11 m=55
